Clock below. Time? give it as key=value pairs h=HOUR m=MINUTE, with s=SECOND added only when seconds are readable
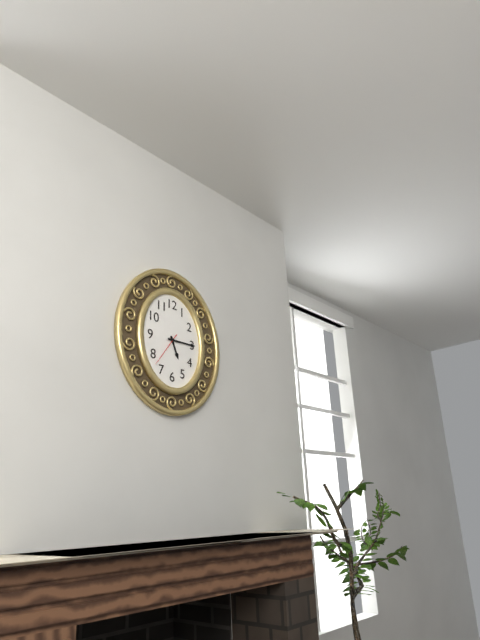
h=5 m=15
